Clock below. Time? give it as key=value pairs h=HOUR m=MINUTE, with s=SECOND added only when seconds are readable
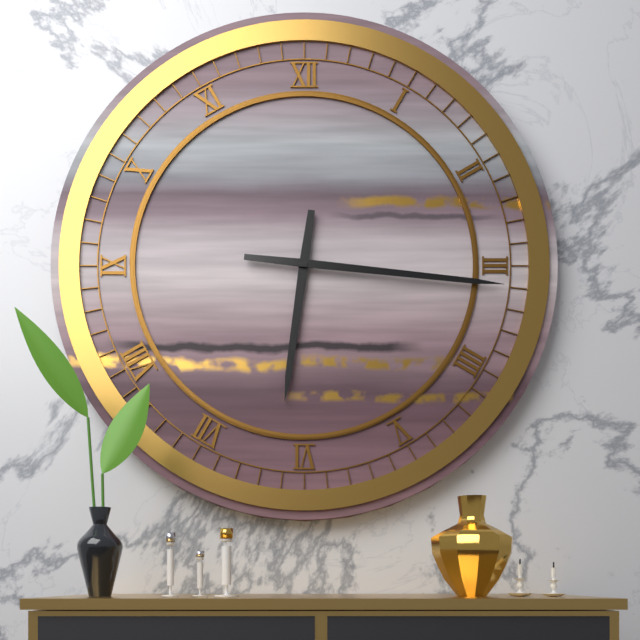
h=6 m=16
